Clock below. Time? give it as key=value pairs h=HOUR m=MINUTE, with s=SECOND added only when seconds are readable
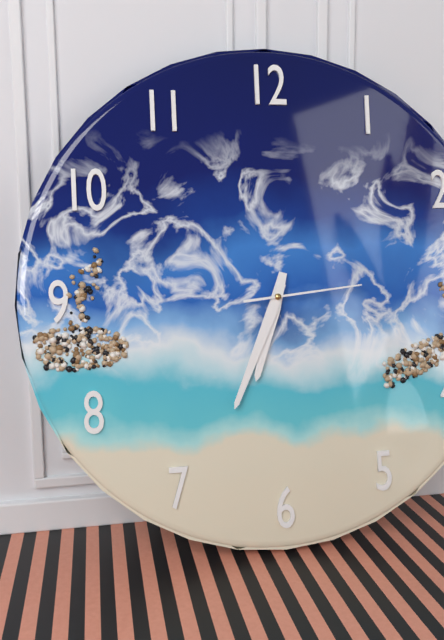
h=6 m=34 s=14
